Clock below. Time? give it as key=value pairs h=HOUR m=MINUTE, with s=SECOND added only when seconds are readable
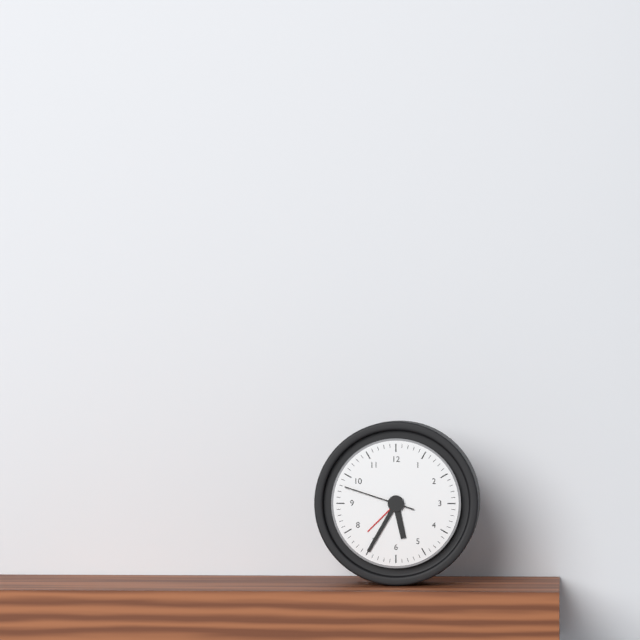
h=5 m=35 s=48
